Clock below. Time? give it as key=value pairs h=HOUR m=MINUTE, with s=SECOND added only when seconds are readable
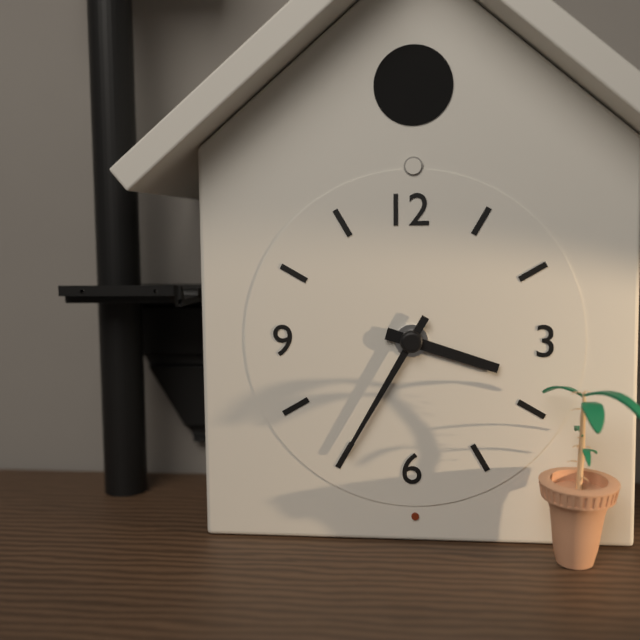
h=3 m=35
